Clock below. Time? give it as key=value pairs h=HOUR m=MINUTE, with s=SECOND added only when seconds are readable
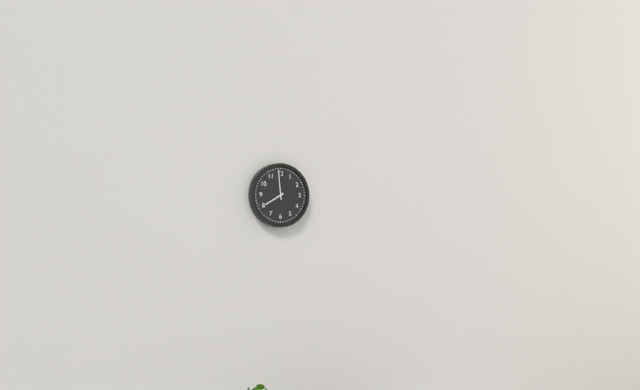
h=7 m=59
